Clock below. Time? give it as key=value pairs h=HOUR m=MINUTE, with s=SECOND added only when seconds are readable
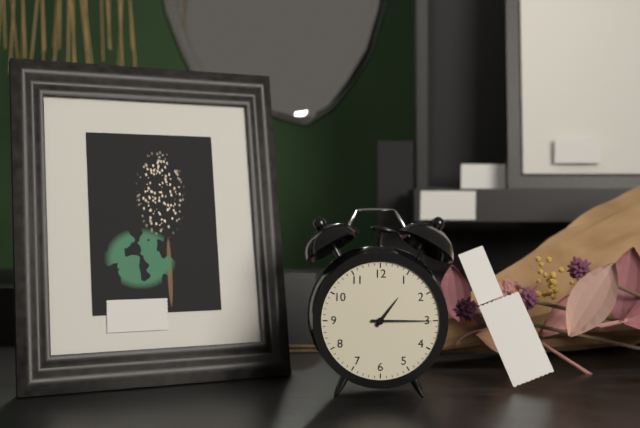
h=1 m=15
